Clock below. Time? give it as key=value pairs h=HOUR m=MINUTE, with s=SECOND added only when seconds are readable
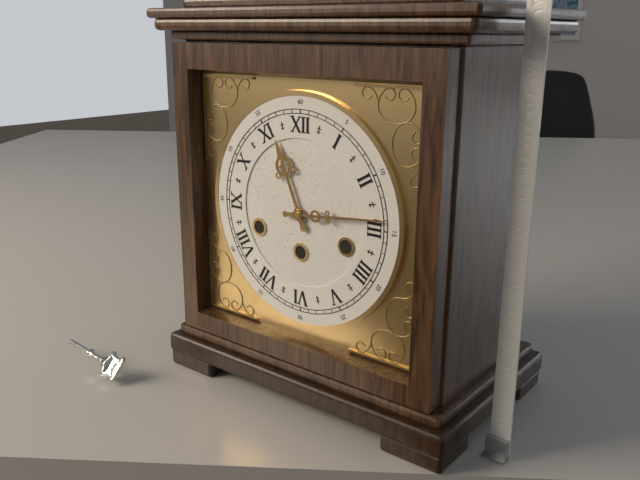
h=11 m=14
